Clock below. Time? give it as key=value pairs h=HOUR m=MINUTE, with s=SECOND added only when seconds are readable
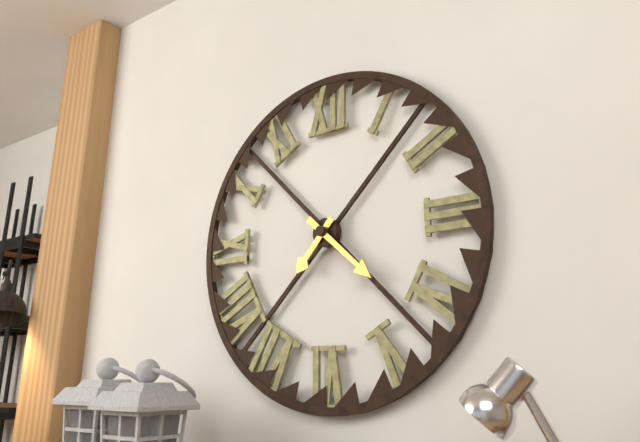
h=7 m=22
